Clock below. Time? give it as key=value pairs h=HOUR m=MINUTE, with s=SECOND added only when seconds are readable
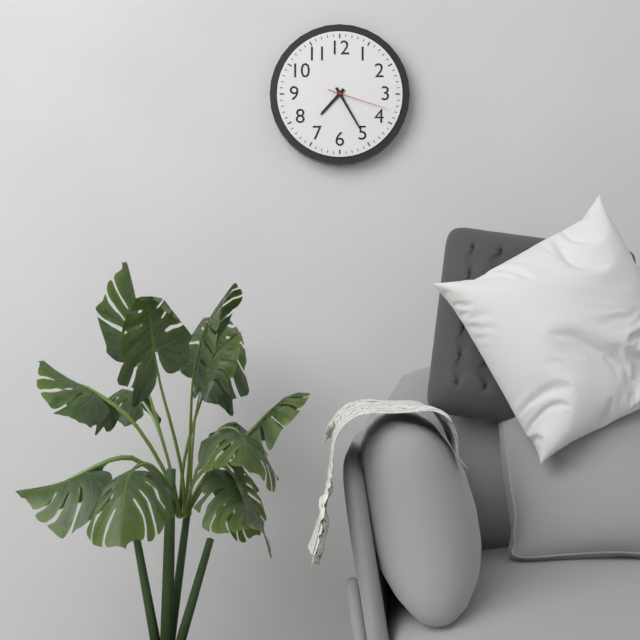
h=7 m=25 s=18
